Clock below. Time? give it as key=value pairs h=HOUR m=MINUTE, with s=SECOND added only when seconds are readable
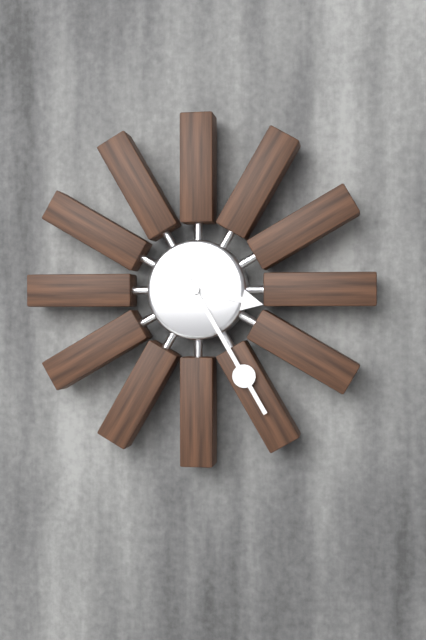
h=3 m=25
